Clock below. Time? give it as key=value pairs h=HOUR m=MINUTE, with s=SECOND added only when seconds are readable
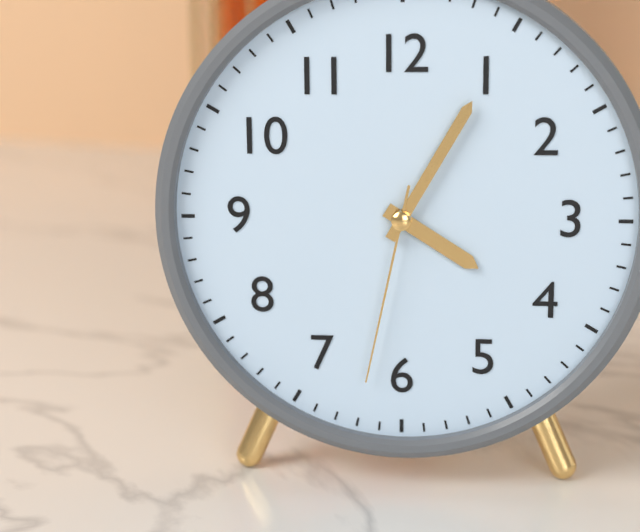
h=4 m=5 s=32
